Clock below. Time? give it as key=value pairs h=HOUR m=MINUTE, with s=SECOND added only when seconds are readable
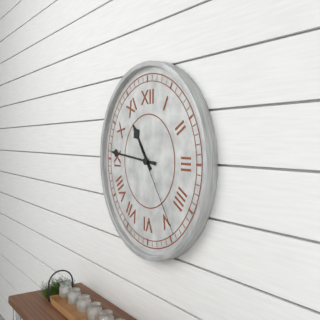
h=10 m=46 s=24
